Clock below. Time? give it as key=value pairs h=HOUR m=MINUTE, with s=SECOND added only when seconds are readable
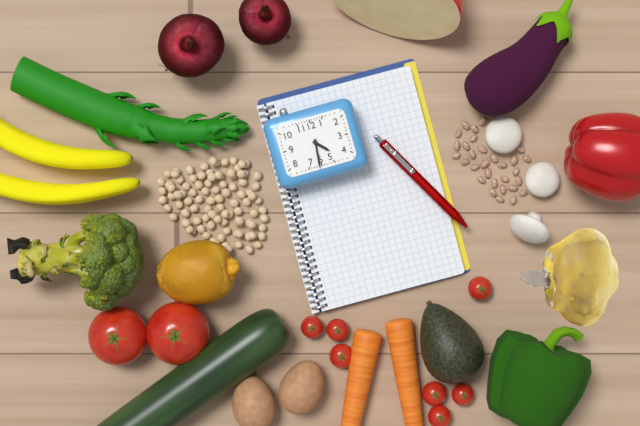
h=4 m=31
